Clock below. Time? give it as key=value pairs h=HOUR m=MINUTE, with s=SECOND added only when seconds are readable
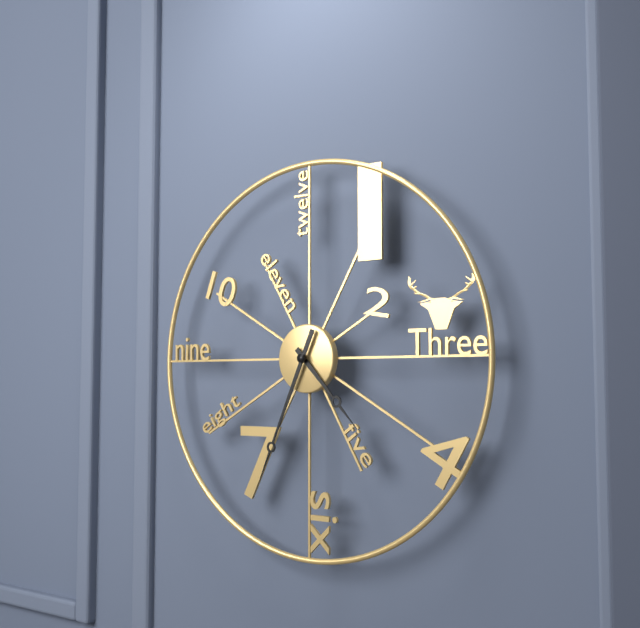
h=4 m=34
